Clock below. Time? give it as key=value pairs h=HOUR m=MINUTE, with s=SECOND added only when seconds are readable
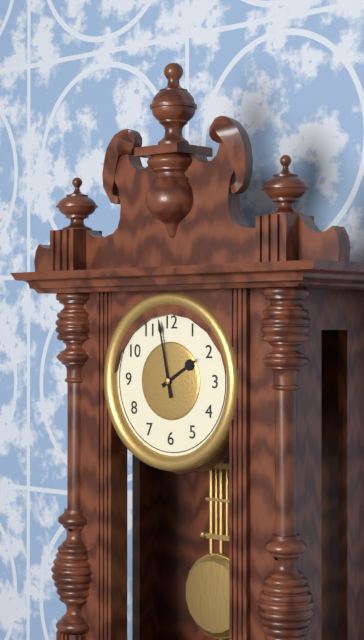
h=1 m=58
